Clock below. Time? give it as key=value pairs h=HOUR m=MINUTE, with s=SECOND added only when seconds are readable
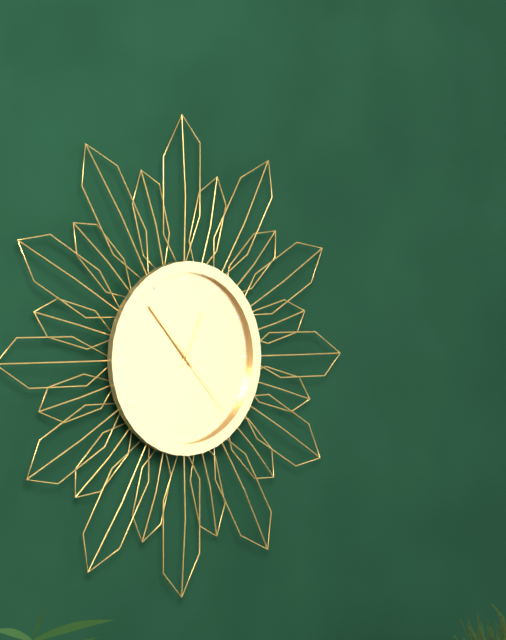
h=12 m=53 s=23
